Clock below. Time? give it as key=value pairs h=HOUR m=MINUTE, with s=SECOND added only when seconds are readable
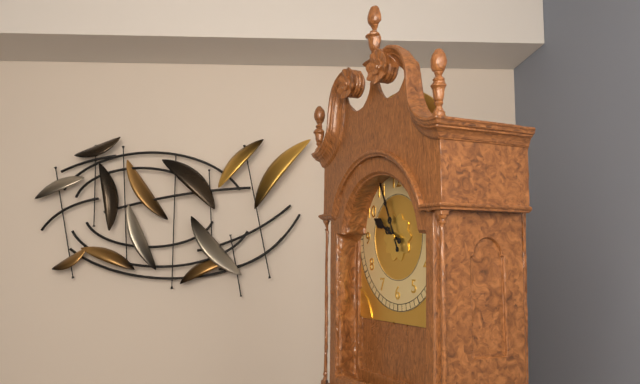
h=9 m=56
